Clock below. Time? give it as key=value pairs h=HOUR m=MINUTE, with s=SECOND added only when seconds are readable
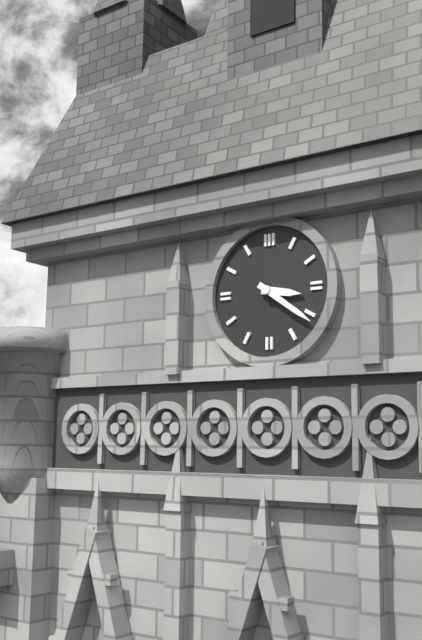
h=3 m=21
